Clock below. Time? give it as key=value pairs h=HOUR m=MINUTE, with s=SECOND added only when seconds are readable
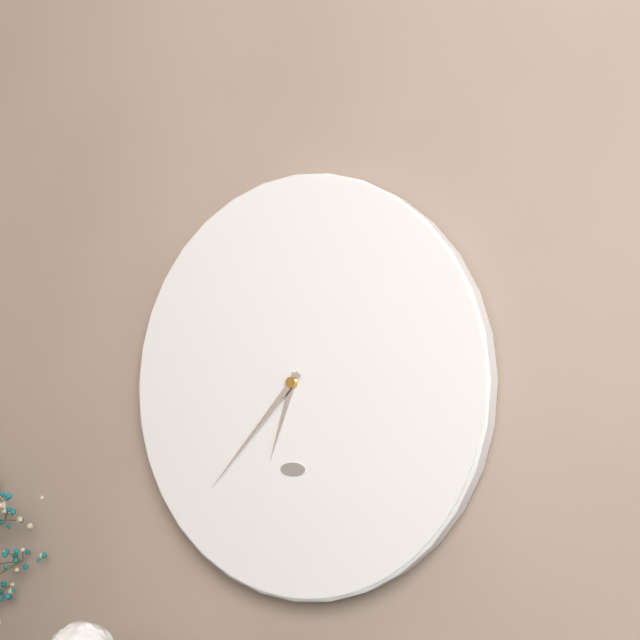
h=6 m=37
